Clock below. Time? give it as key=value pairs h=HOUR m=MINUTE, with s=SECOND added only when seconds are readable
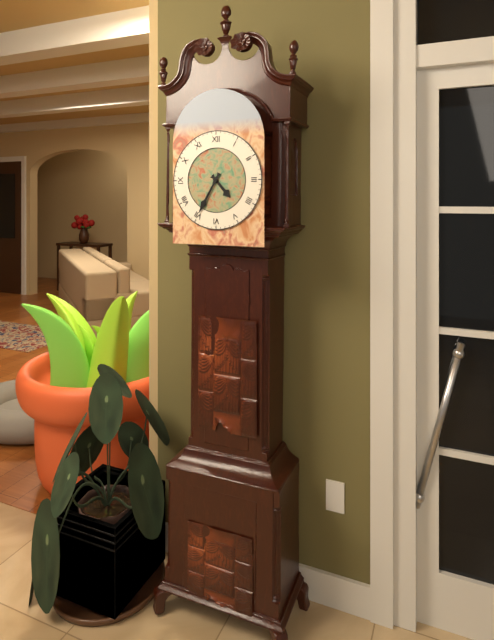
h=4 m=35
